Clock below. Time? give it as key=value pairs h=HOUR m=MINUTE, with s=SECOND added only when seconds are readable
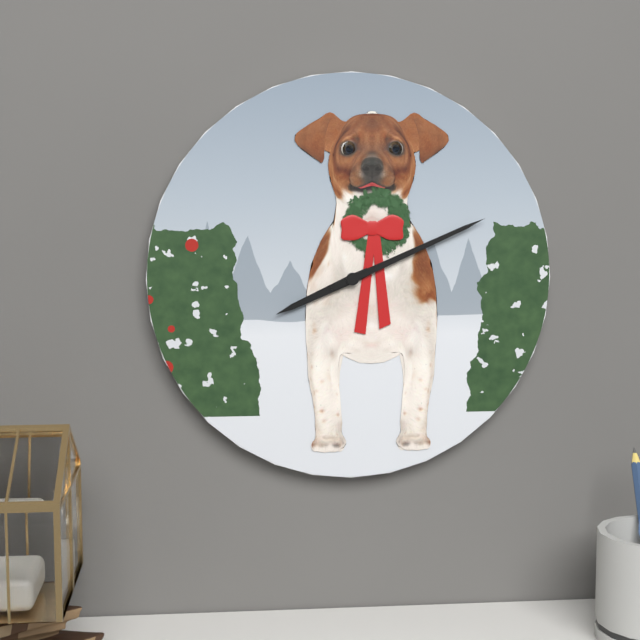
h=8 m=11
